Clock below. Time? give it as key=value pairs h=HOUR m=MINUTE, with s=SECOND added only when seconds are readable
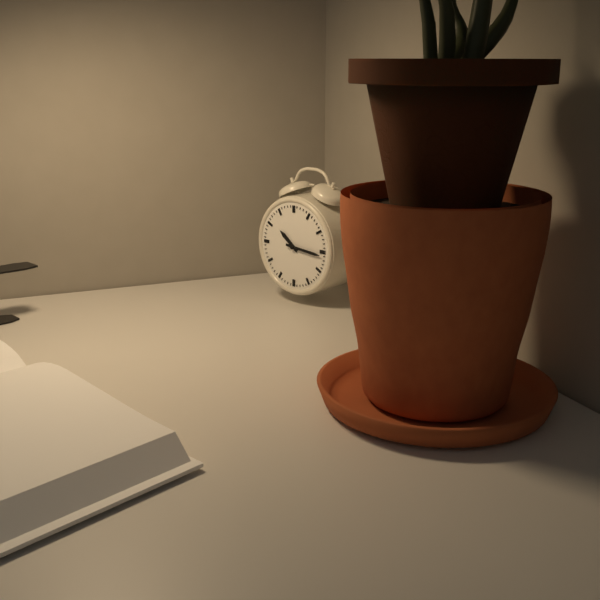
h=10 m=16
